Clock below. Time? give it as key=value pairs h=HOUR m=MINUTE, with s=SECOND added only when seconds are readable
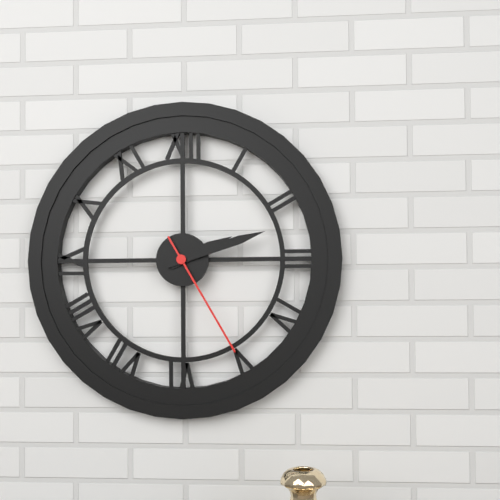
h=2 m=12 s=25
